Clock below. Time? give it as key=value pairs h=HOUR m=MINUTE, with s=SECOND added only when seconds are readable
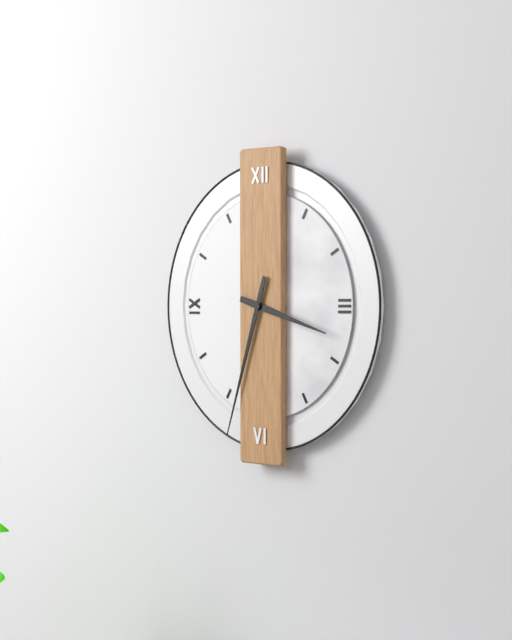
h=3 m=33
